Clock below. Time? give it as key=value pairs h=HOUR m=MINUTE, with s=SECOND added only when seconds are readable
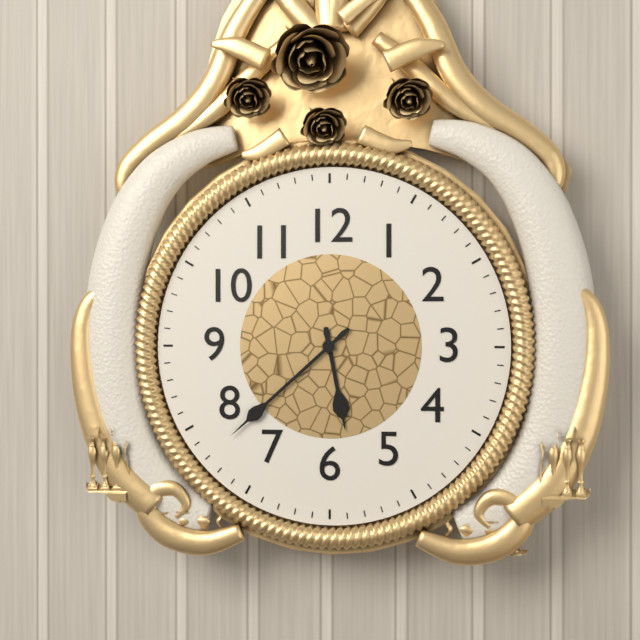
h=5 m=38
